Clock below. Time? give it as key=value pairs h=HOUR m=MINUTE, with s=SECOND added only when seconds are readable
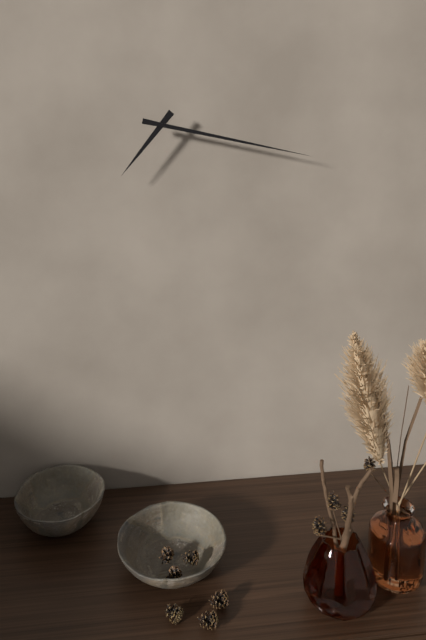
h=7 m=17
